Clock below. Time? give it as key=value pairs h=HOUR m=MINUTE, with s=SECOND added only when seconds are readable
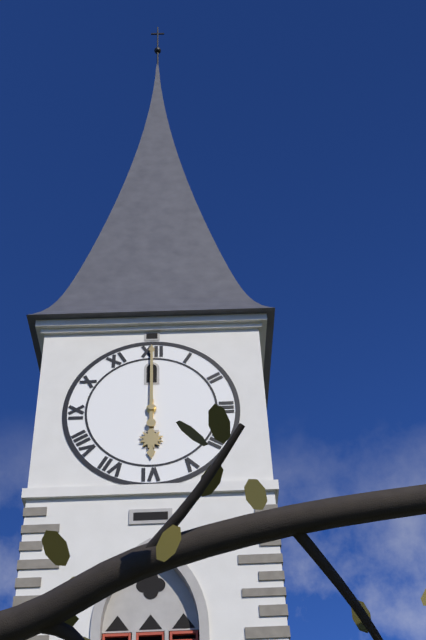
h=6 m=0
